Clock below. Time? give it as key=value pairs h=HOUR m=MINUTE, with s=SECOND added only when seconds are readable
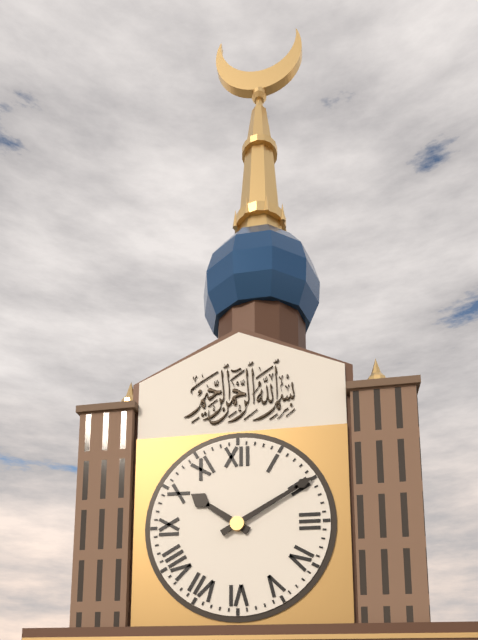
h=10 m=10
